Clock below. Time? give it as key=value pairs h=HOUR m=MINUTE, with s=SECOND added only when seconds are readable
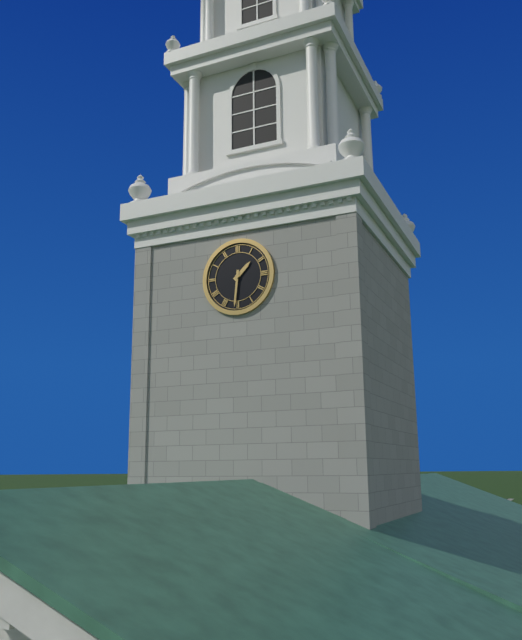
h=1 m=31
